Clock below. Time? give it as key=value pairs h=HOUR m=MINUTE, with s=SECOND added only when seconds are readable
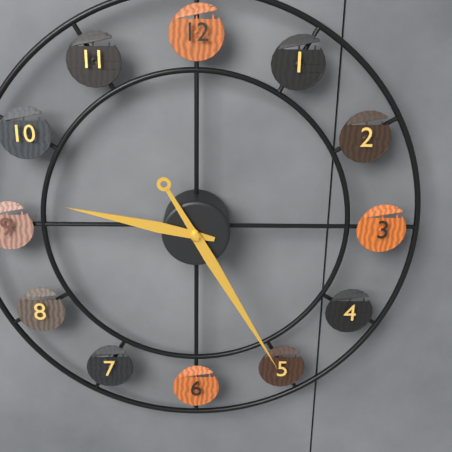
h=9 m=25
